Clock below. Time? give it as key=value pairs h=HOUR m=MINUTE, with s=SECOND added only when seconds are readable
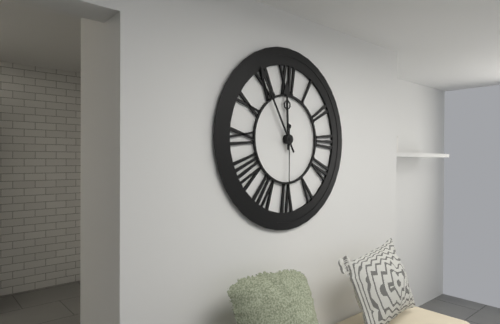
h=11 m=55 s=30
